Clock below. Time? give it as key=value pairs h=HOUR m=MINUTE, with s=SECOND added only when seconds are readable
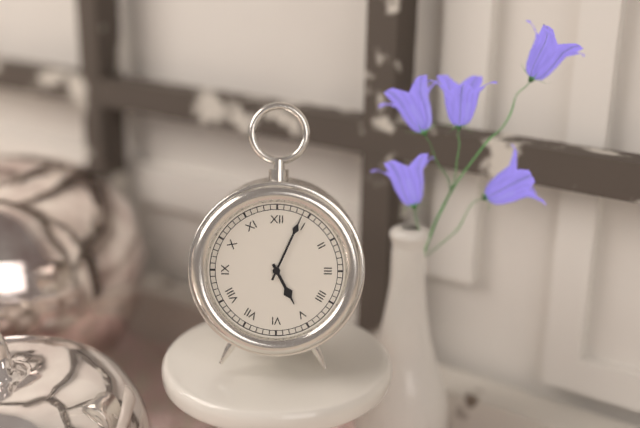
h=5 m=4
